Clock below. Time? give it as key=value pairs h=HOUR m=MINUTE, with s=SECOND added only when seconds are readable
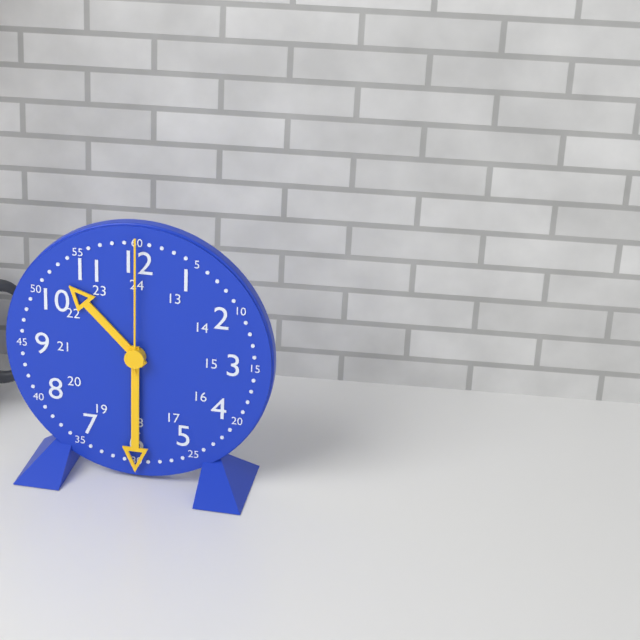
h=10 m=30 s=0
